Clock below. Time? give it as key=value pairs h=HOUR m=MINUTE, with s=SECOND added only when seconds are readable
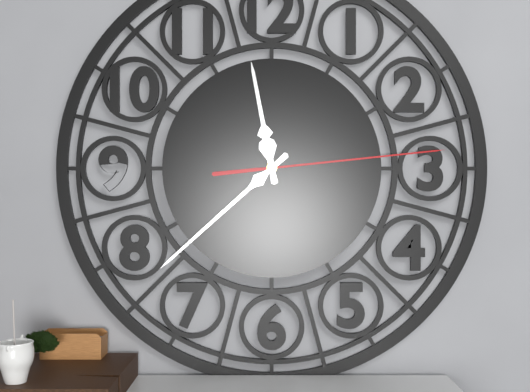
h=11 m=38 s=14
